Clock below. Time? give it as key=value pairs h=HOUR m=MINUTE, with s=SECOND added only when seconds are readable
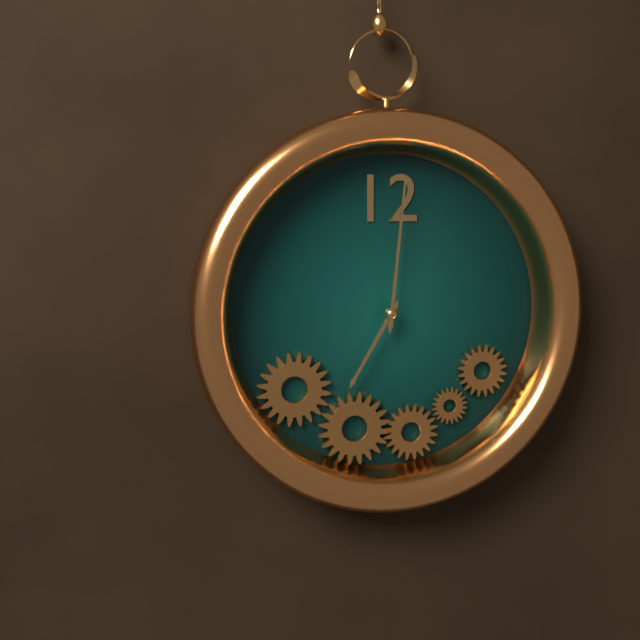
h=7 m=1
